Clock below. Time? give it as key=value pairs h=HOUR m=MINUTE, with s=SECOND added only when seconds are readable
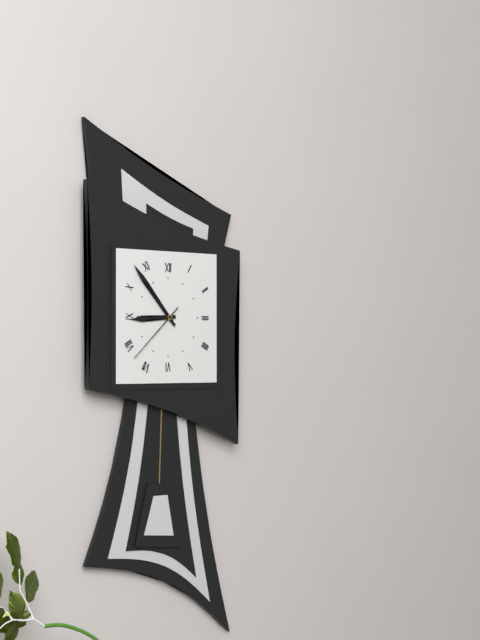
h=8 m=53 s=38
